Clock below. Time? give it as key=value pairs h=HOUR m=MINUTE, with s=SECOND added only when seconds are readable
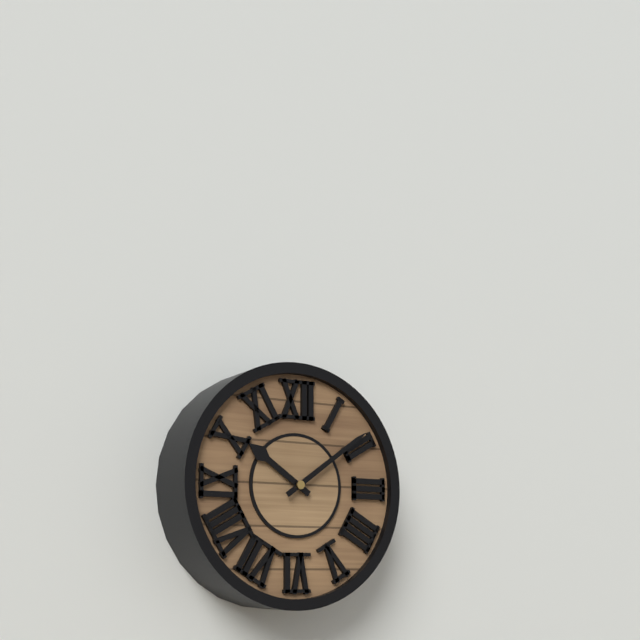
h=10 m=9
